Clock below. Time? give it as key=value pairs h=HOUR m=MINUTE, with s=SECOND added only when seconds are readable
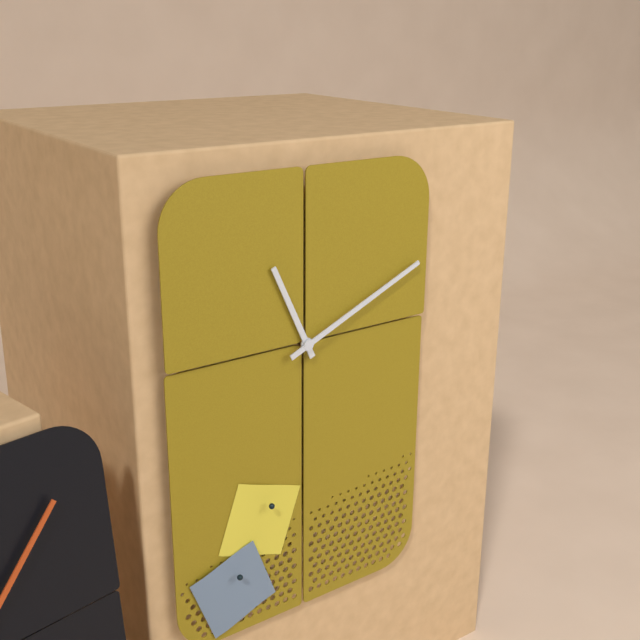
h=11 m=11
